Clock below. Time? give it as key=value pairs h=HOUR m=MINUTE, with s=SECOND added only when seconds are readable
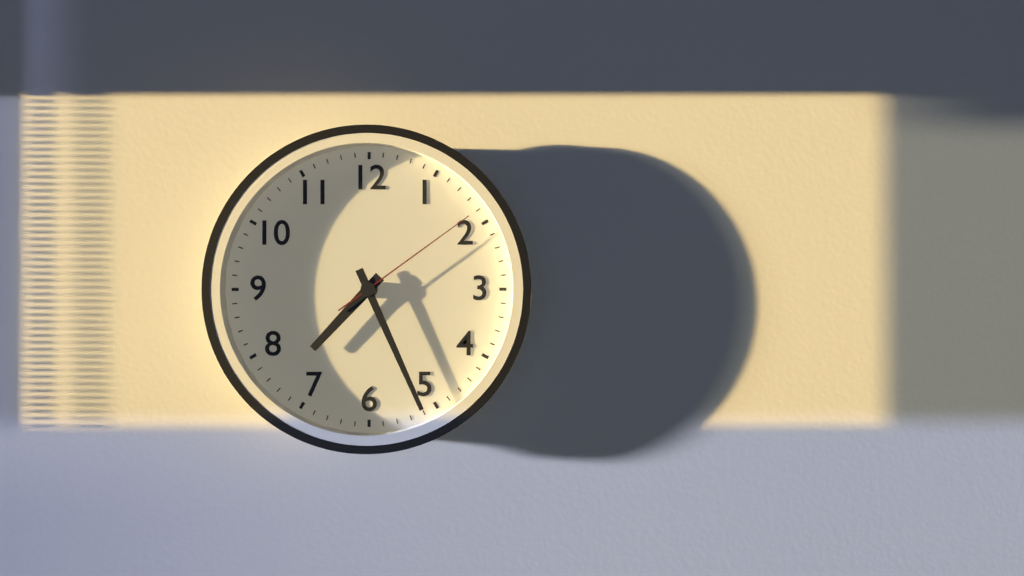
h=7 m=26 s=9
